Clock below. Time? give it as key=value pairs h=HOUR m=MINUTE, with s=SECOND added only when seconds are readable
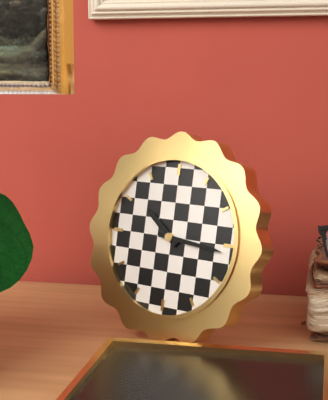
h=10 m=16
